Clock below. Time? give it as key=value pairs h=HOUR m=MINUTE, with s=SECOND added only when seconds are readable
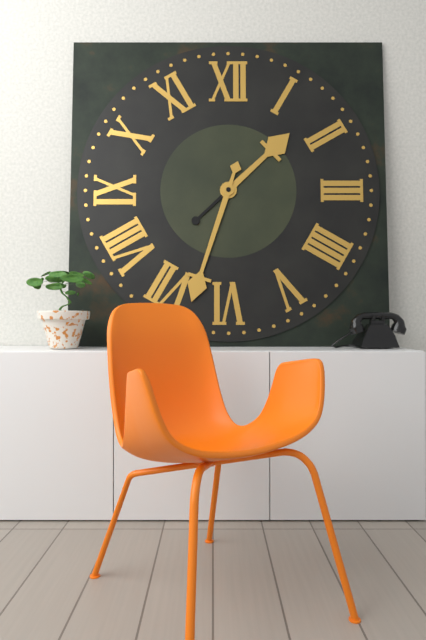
h=1 m=33
